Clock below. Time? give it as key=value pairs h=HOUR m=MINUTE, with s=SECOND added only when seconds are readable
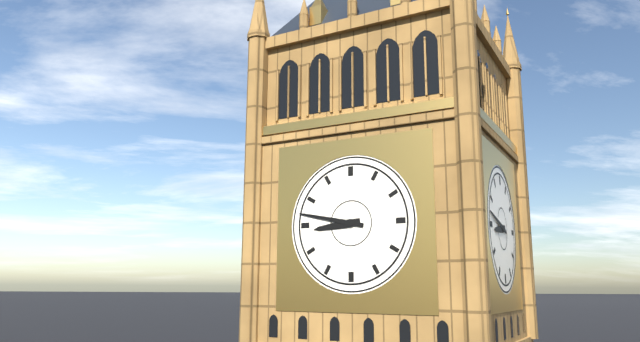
h=8 m=47
